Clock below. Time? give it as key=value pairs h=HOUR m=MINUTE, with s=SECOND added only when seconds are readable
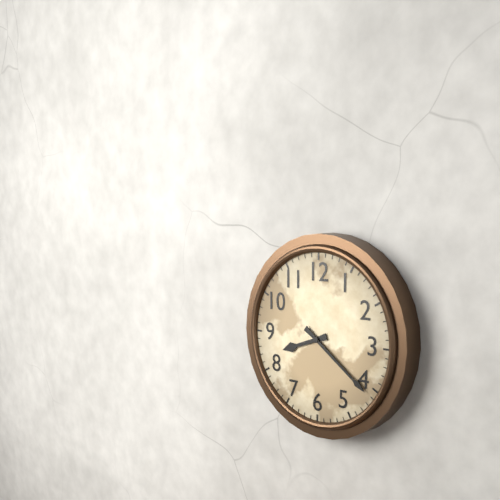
h=8 m=21
